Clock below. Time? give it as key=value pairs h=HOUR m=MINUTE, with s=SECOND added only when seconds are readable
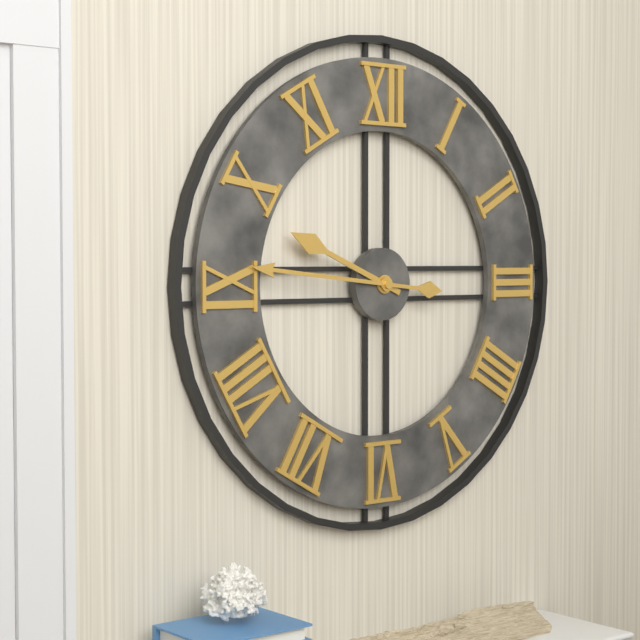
h=9 m=46
